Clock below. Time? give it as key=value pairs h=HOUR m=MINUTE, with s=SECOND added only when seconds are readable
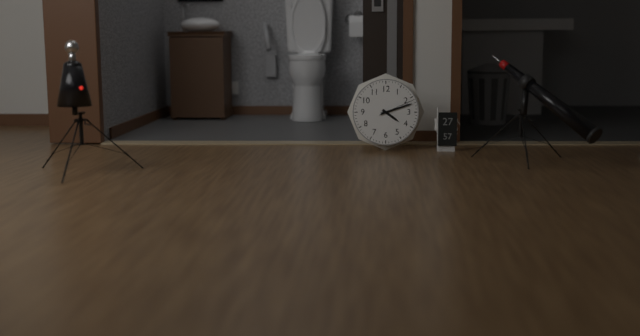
h=4 m=12
